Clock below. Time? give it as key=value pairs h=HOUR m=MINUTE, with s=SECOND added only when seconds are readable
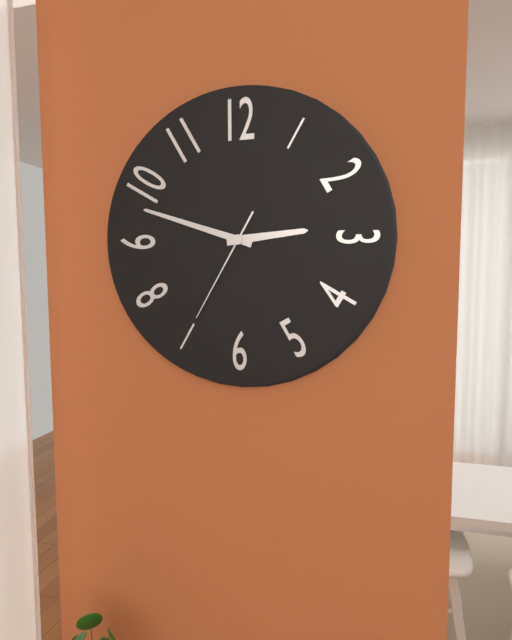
h=2 m=48 s=35
